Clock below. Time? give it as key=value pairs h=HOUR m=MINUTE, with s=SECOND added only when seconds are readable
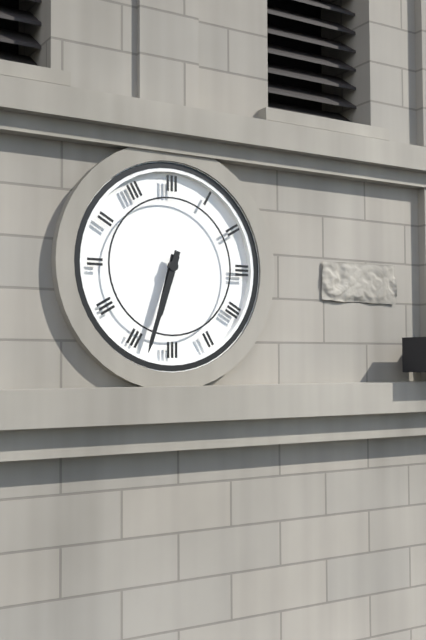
h=6 m=33
